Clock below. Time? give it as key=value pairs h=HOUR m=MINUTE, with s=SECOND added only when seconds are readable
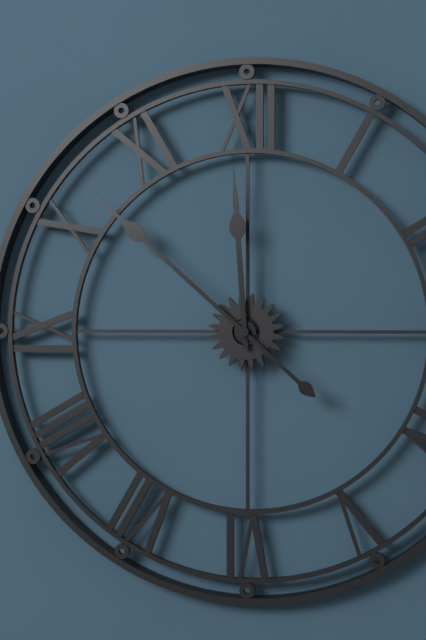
h=11 m=52
